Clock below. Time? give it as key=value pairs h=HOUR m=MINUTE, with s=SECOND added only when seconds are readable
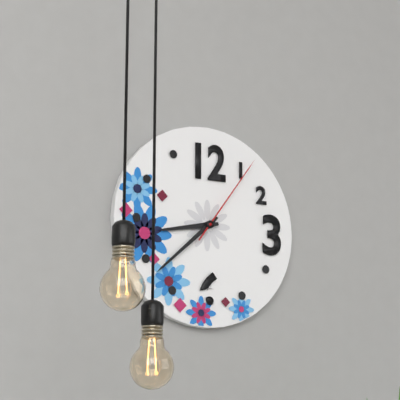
h=8 m=38 s=6
